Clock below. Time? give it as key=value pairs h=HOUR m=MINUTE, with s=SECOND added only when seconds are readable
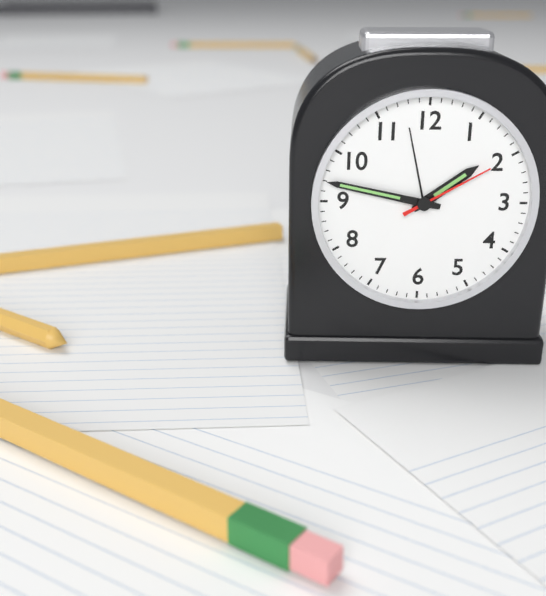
h=1 m=47 s=10
